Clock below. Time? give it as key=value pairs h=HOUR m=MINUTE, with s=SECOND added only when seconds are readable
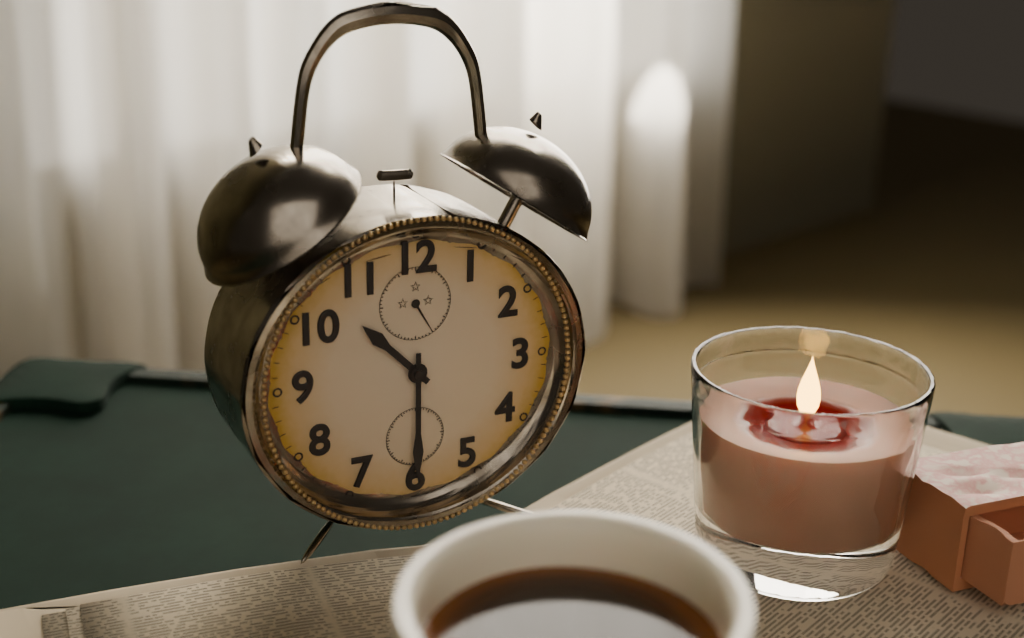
h=10 m=30
